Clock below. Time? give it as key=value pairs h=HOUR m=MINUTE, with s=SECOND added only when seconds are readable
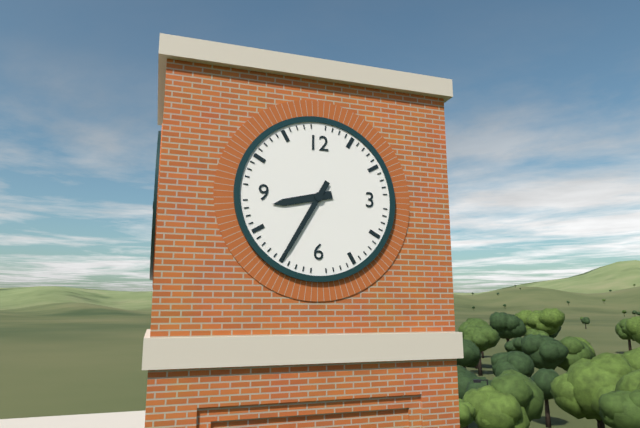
h=8 m=35
